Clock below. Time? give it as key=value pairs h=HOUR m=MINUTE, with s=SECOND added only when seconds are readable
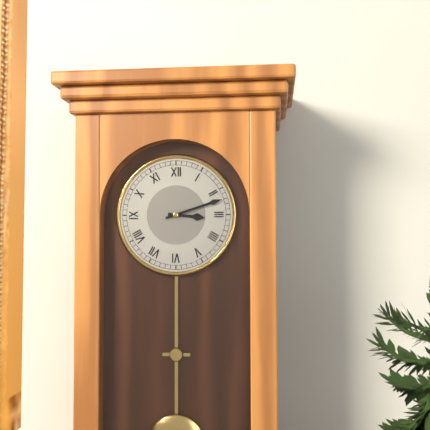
h=3 m=12
